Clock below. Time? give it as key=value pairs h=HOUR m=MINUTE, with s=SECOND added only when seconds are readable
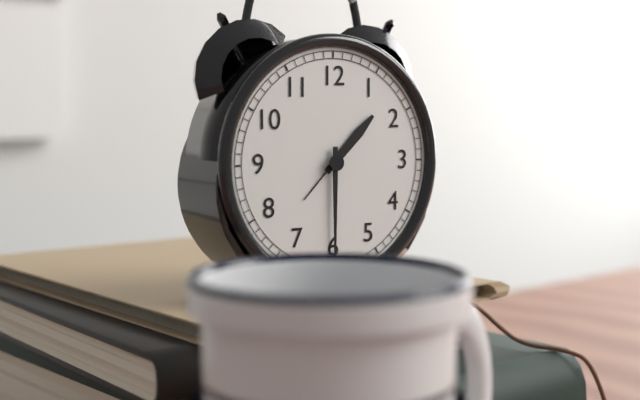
h=1 m=30
